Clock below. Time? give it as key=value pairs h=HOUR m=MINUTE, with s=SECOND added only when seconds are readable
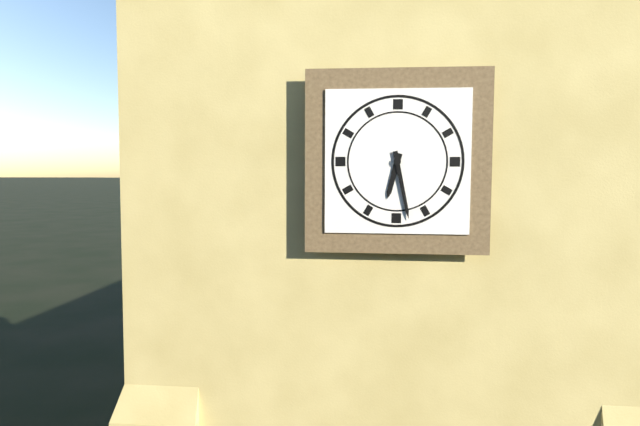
h=6 m=28
